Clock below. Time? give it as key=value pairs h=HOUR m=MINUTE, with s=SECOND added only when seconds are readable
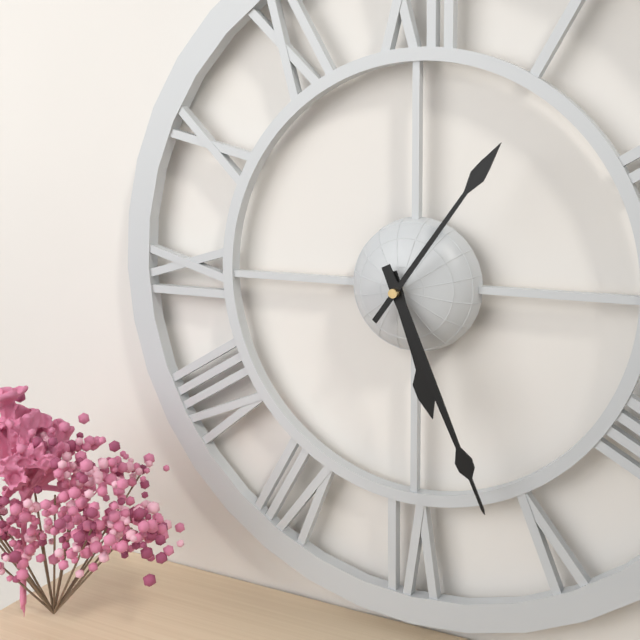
h=5 m=26 s=6
